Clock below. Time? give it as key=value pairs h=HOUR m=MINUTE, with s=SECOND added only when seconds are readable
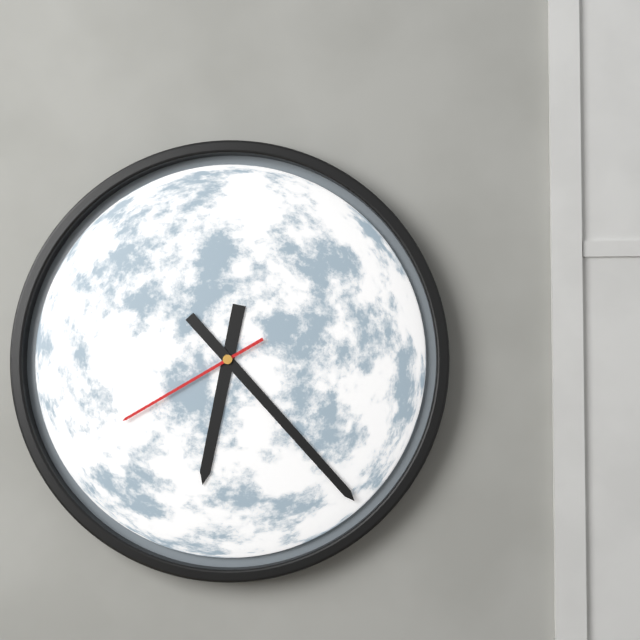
h=6 m=23 s=40
